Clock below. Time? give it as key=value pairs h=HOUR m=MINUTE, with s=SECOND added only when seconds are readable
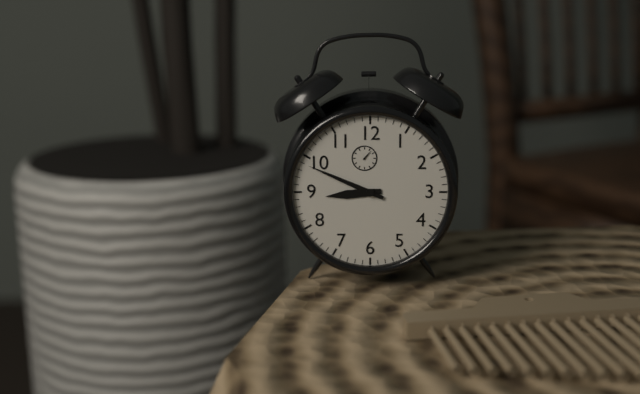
h=8 m=49
